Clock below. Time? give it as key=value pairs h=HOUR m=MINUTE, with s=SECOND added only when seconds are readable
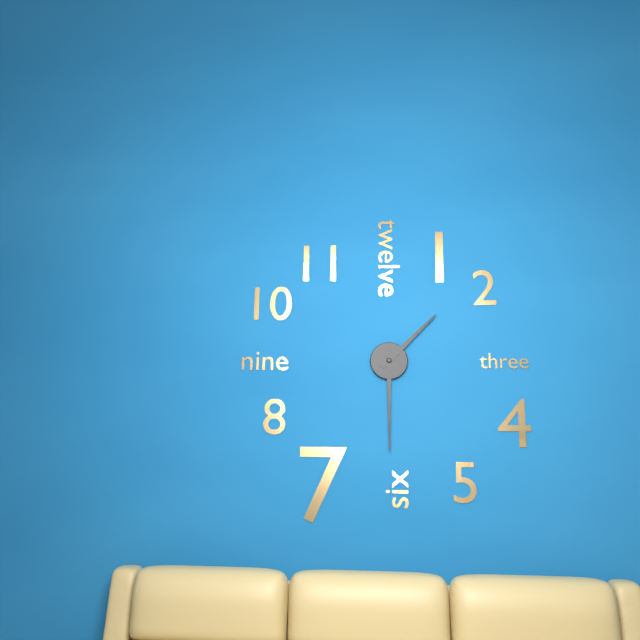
h=1 m=30
